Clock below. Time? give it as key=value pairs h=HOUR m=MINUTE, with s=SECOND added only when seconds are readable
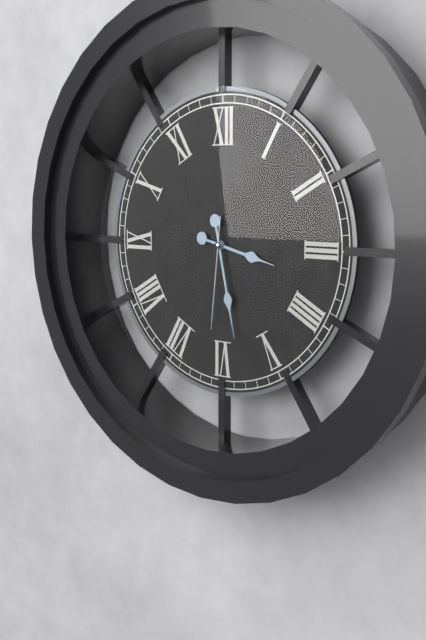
h=3 m=28 s=31
